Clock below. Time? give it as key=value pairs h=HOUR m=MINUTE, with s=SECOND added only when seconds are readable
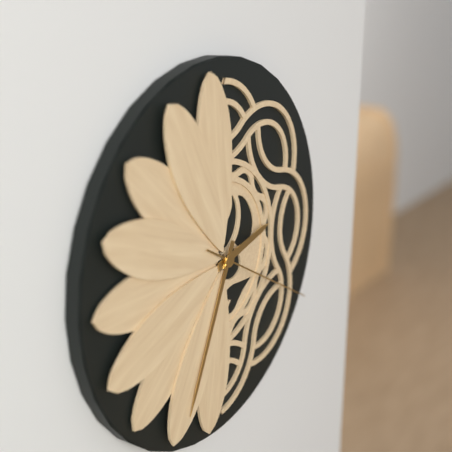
h=2 m=34 s=20
